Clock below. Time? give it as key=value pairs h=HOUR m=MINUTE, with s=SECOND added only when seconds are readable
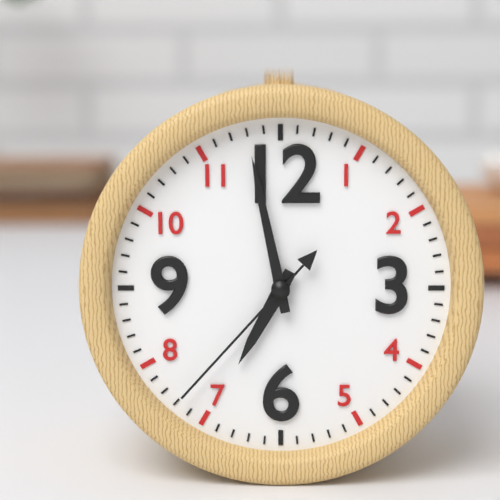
h=6 m=58 s=37
